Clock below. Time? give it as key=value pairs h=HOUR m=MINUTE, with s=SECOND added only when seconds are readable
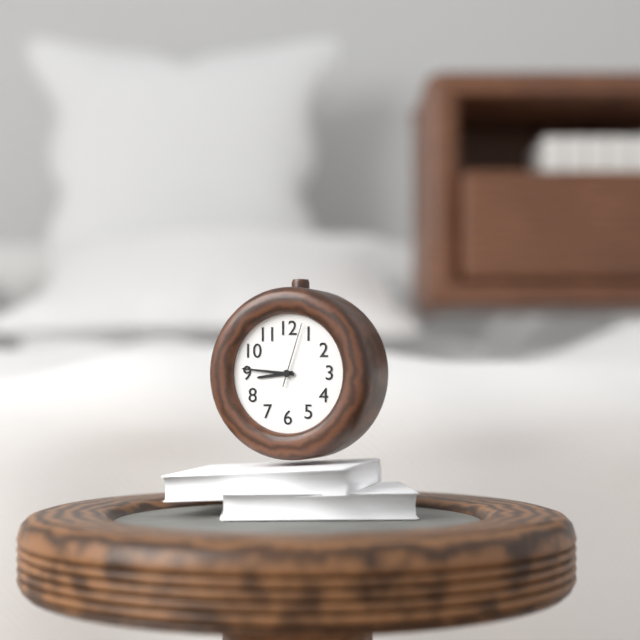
h=8 m=46 s=3
